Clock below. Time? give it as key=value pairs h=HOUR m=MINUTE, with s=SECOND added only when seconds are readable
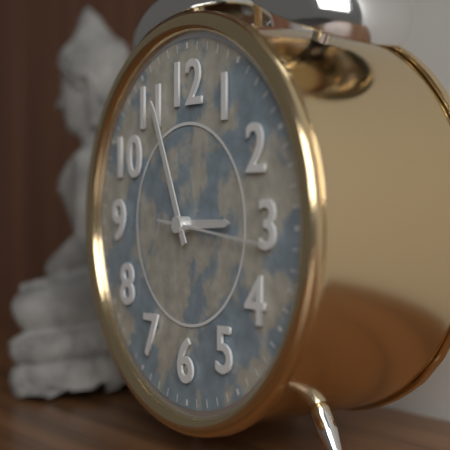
h=2 m=56 s=16
